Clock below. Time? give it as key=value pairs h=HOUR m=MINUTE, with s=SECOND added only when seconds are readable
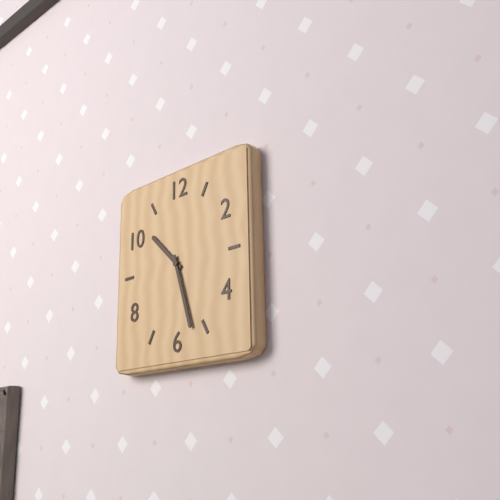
h=10 m=27
